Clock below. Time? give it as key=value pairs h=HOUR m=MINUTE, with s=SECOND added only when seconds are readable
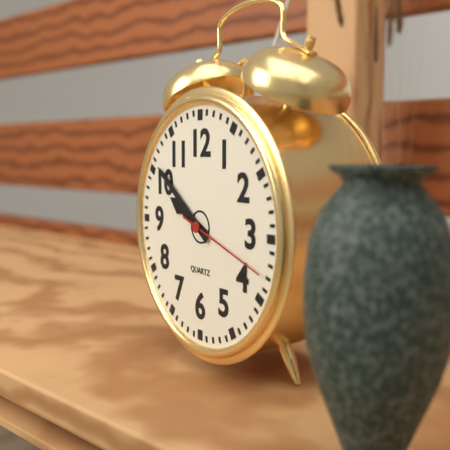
h=9 m=51 s=18
